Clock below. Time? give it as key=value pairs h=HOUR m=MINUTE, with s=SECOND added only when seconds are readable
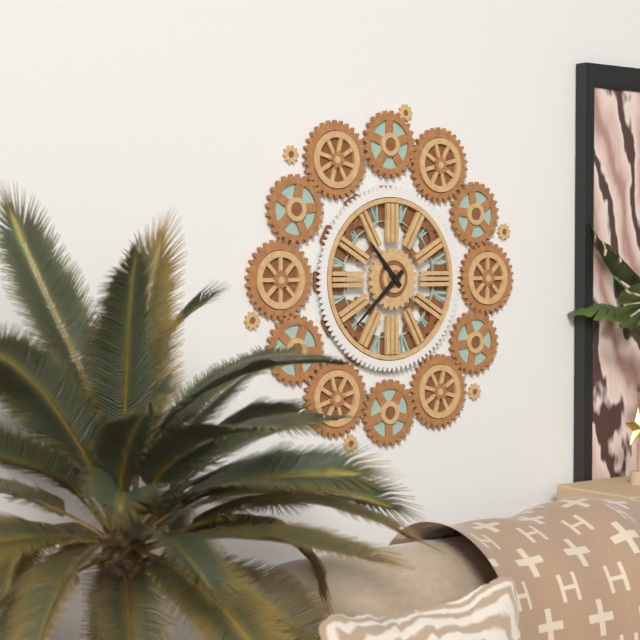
h=10 m=38
